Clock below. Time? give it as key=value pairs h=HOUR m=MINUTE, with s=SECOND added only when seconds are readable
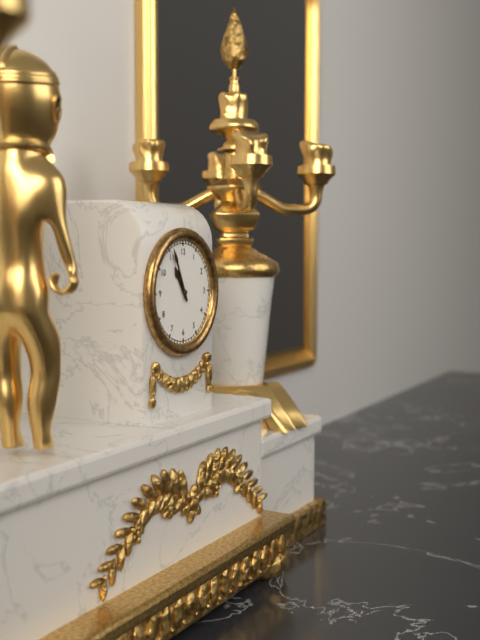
h=10 m=56
